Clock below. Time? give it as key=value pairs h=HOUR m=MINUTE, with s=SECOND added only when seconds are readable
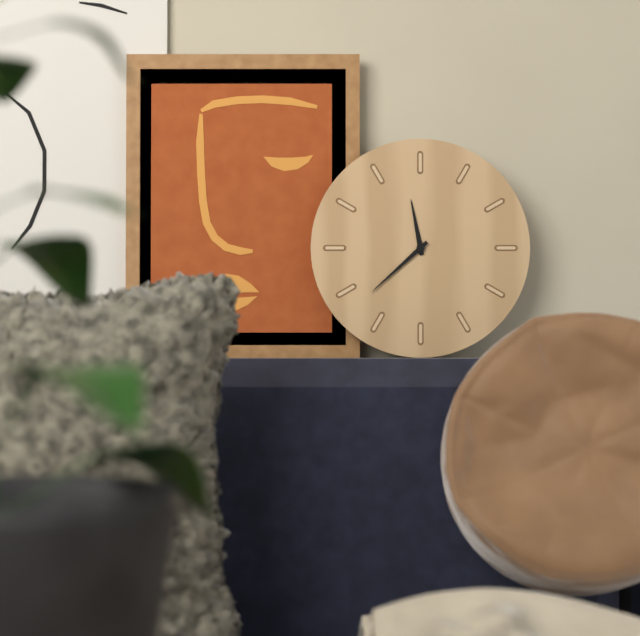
h=11 m=38
